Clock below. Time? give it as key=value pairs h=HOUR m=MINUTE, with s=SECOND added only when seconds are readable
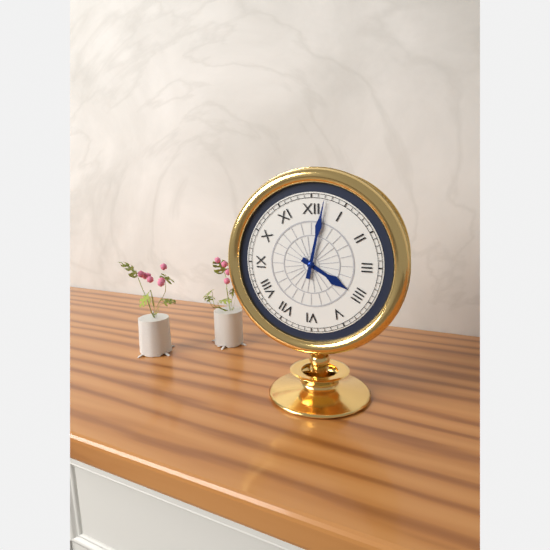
h=4 m=2
